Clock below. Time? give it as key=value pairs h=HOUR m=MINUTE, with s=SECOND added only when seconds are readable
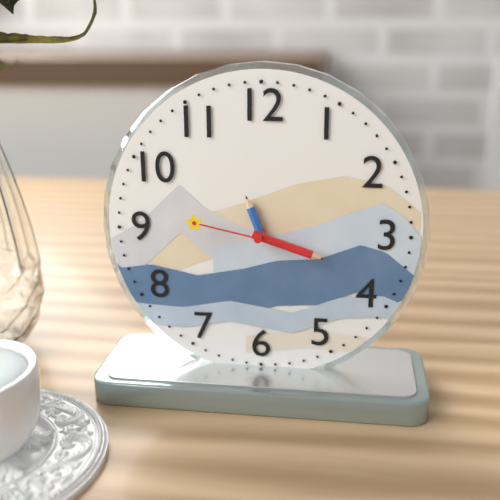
h=11 m=18 s=47
